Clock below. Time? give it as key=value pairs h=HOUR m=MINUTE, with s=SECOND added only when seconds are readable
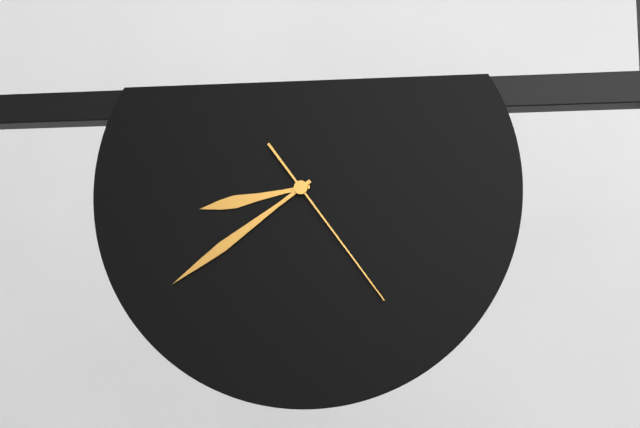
h=8 m=39 s=24
